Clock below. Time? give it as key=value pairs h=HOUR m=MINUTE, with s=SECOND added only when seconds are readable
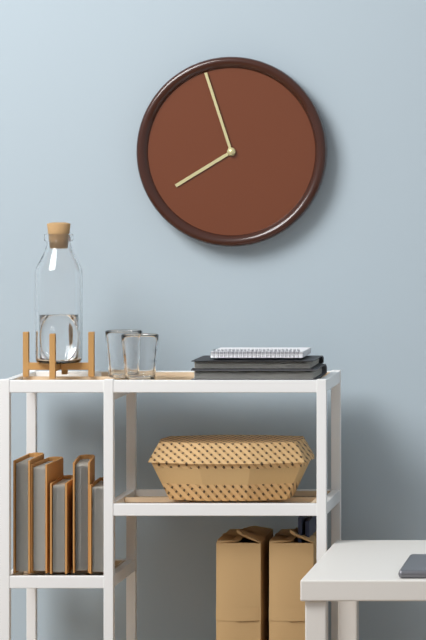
h=7 m=57
